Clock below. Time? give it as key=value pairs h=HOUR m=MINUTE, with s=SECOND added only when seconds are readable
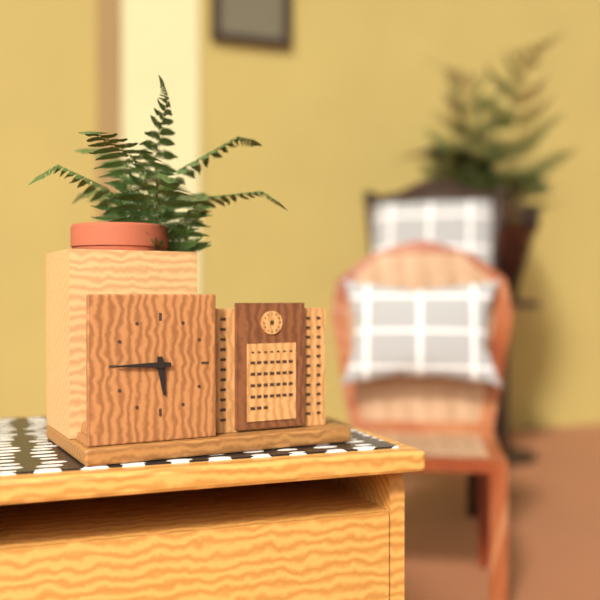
h=5 m=45
